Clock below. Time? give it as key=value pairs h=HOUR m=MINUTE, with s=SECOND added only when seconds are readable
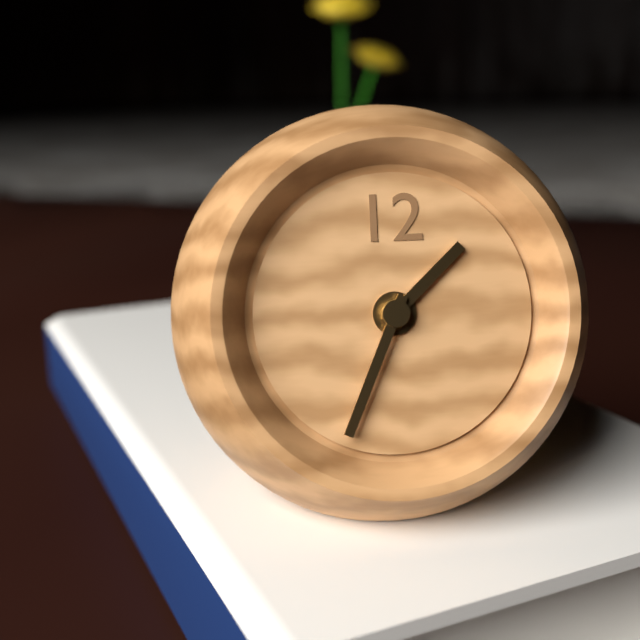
h=1 m=34
